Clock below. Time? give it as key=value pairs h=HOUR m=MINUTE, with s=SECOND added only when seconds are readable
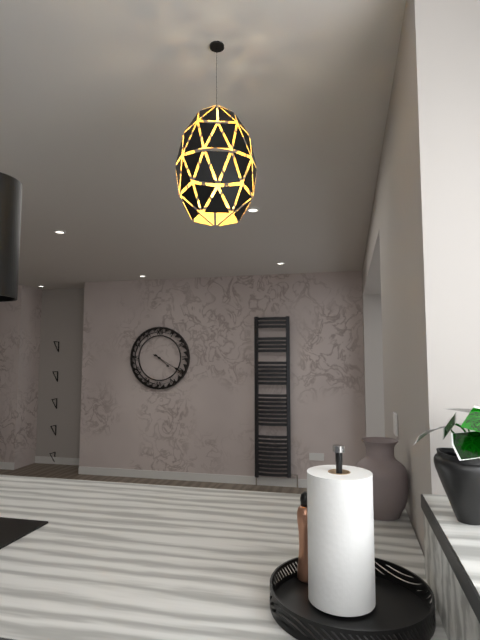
h=4 m=20
